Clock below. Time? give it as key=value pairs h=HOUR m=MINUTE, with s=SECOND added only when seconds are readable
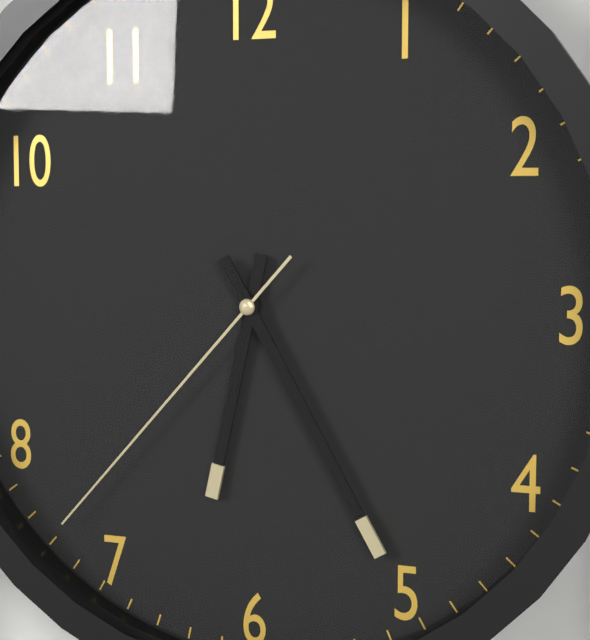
h=6 m=25 s=37
